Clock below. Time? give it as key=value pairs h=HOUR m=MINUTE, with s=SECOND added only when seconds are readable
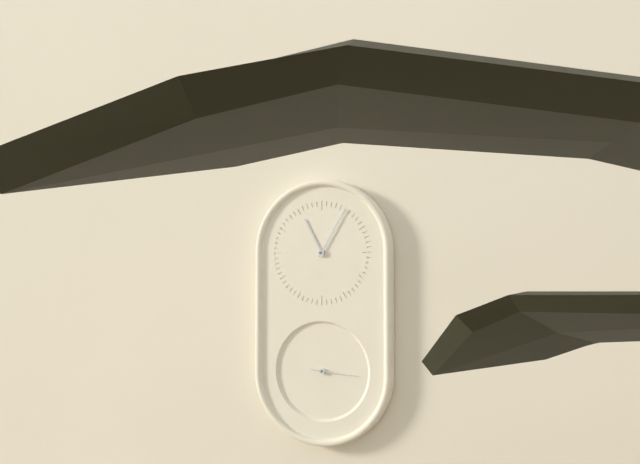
h=11 m=5
